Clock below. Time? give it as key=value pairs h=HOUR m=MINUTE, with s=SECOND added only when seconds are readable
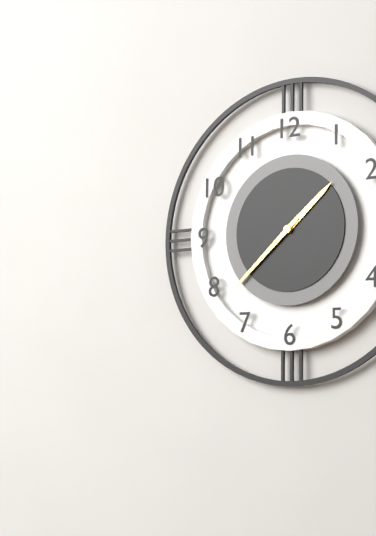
h=1 m=38
